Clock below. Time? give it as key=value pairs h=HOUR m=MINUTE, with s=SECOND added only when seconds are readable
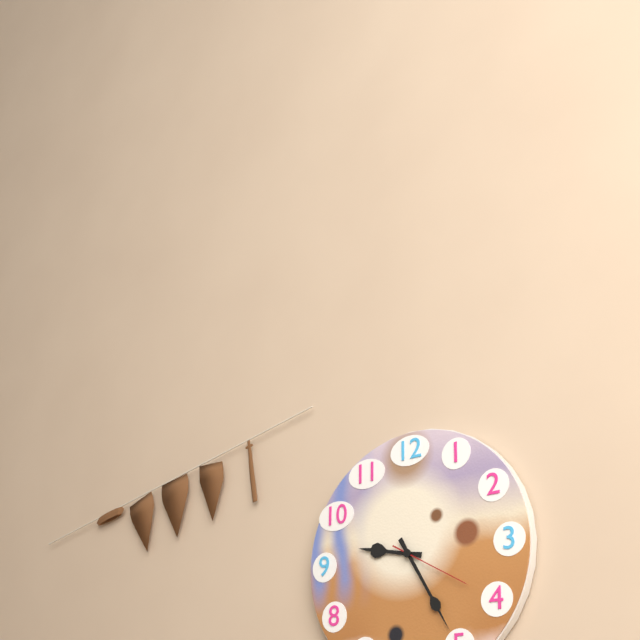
h=9 m=25 s=20
